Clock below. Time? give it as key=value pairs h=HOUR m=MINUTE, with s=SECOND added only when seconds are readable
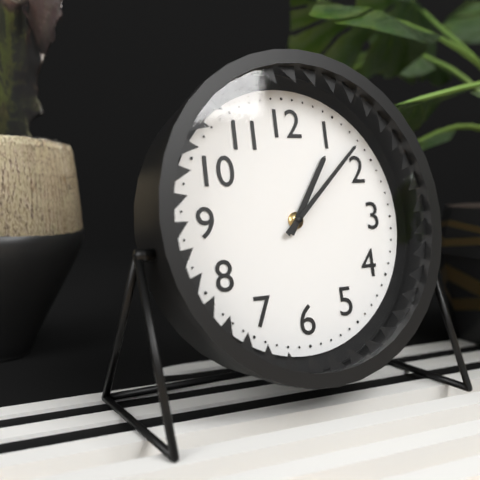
h=1 m=8
